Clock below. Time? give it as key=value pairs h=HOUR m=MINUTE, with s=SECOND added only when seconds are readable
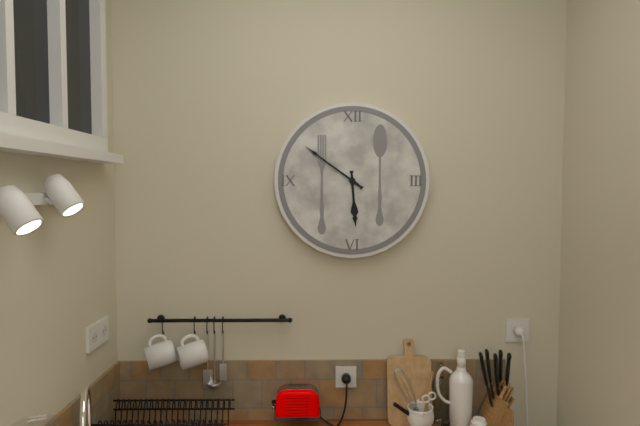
h=5 m=51
